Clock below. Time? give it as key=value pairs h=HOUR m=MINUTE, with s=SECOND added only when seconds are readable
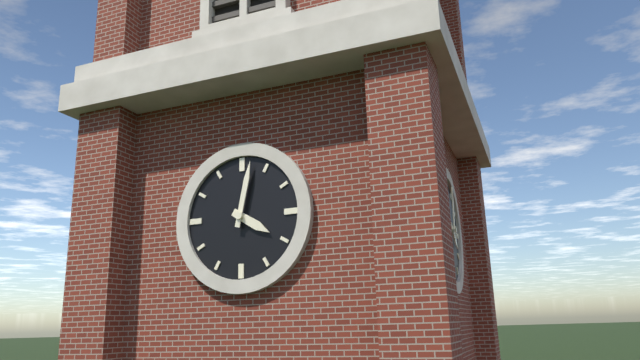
h=4 m=2
